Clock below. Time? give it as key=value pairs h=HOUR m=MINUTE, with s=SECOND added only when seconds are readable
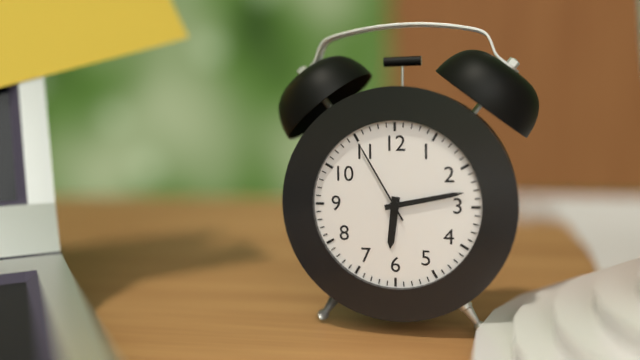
h=6 m=13 s=55
